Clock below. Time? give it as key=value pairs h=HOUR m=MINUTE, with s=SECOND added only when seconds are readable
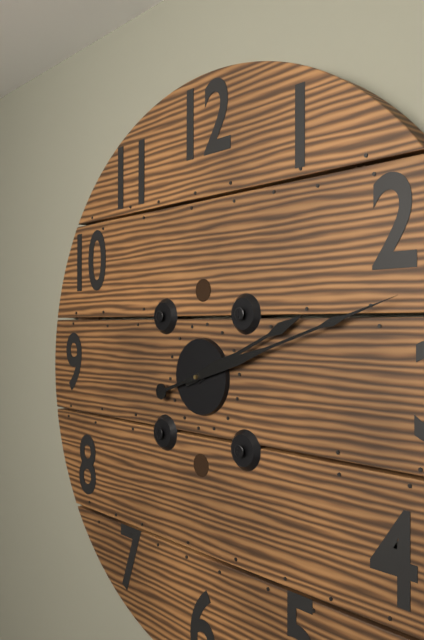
h=2 m=12
